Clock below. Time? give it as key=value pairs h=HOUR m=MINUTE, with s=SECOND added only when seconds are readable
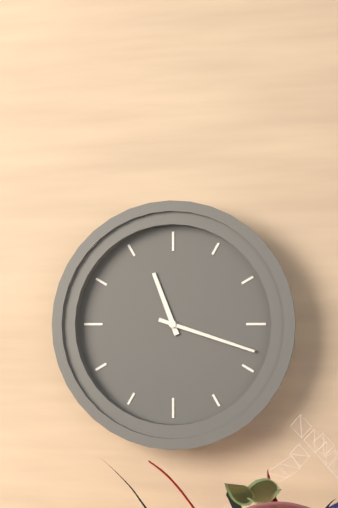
h=11 m=18
